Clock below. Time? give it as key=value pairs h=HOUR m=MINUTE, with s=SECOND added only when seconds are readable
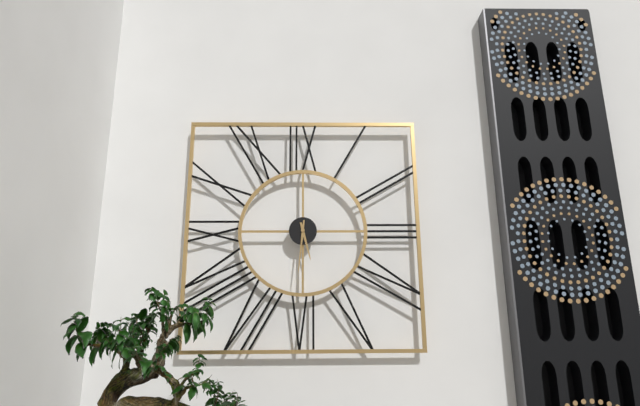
h=5 m=31
